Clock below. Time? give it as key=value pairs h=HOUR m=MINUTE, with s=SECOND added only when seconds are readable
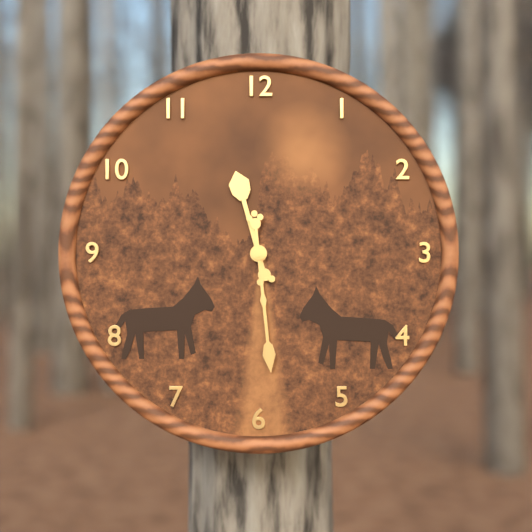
h=11 m=29
